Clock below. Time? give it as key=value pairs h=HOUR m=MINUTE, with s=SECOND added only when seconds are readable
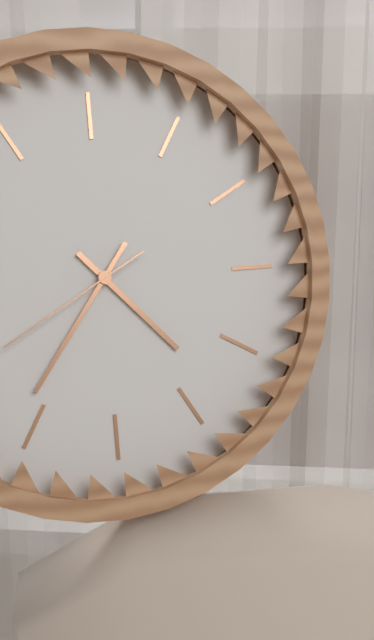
h=4 m=36 s=40
